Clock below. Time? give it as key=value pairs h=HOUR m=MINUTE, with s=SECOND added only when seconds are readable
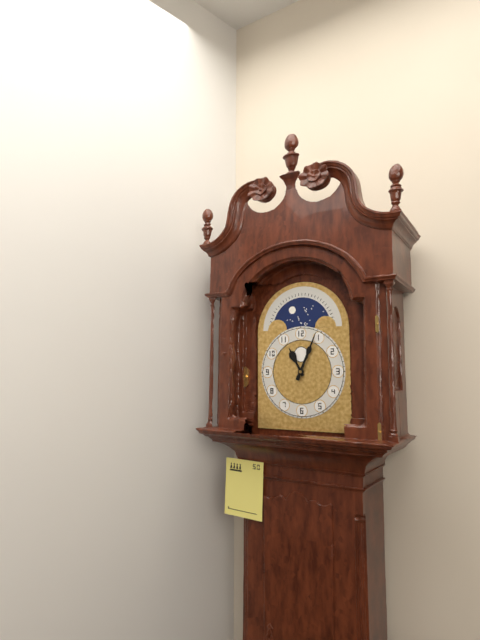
h=11 m=4
